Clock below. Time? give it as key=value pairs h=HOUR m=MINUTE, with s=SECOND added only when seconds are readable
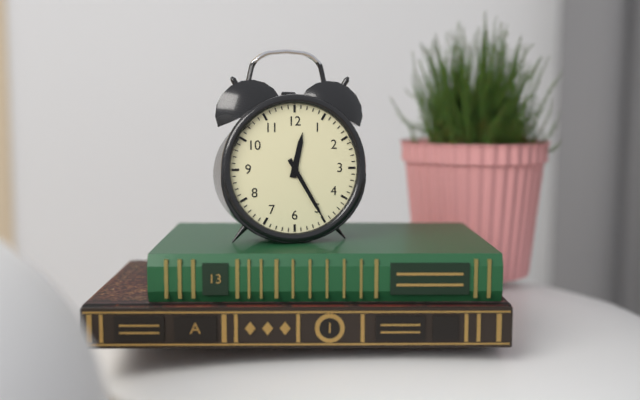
h=12 m=25
